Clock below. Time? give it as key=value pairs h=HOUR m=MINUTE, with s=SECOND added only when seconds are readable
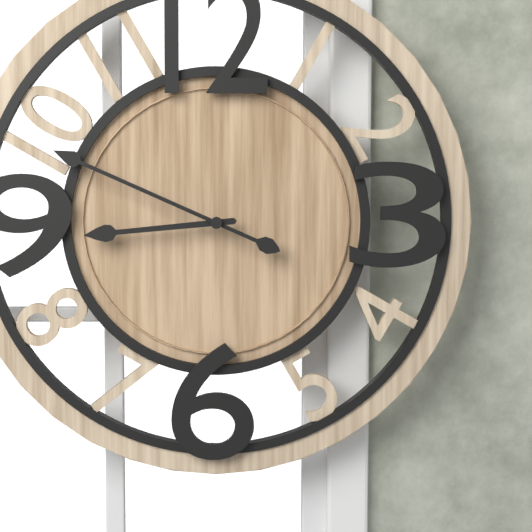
h=8 m=49
